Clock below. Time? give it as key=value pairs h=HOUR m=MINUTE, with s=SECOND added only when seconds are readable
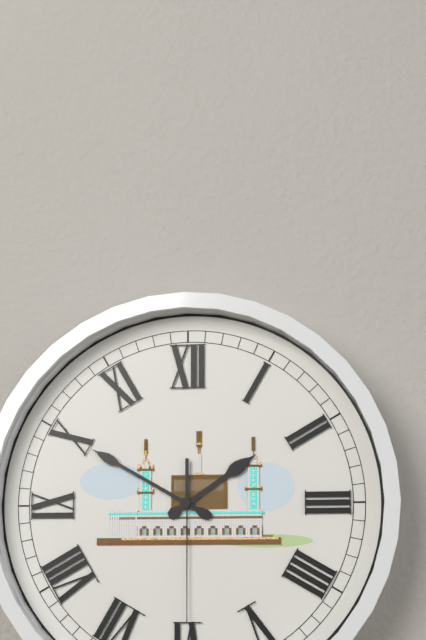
h=1 m=50 s=30
